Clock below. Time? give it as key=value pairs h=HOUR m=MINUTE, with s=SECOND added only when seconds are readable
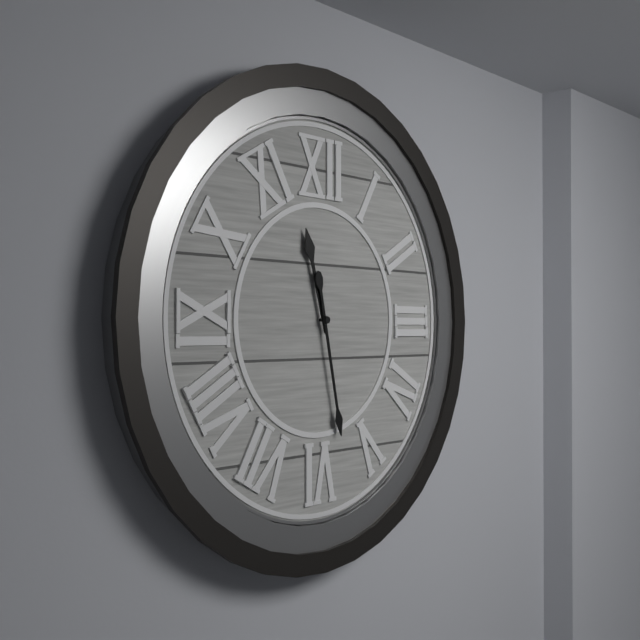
h=11 m=28
